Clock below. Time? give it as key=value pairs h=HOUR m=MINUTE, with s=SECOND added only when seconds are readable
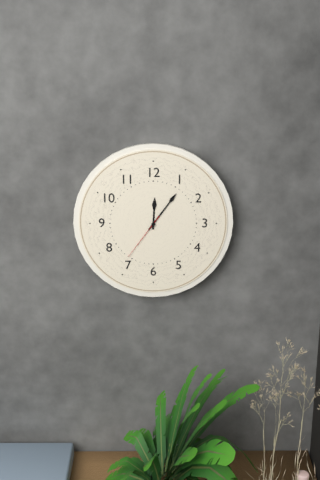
h=12 m=6 s=36
